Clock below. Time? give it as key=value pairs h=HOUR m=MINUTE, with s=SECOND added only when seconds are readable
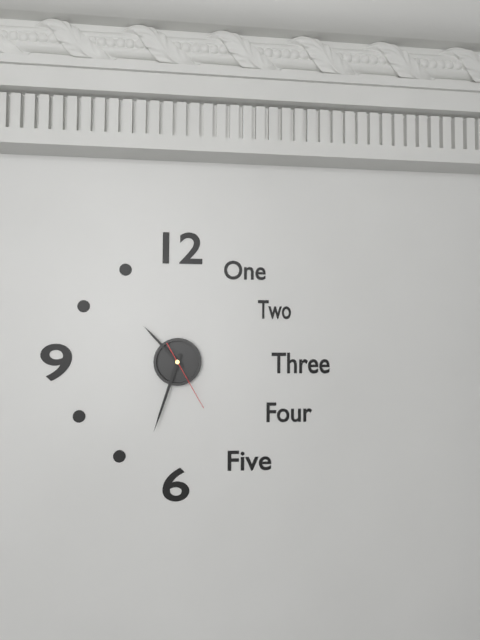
h=10 m=33 s=25
